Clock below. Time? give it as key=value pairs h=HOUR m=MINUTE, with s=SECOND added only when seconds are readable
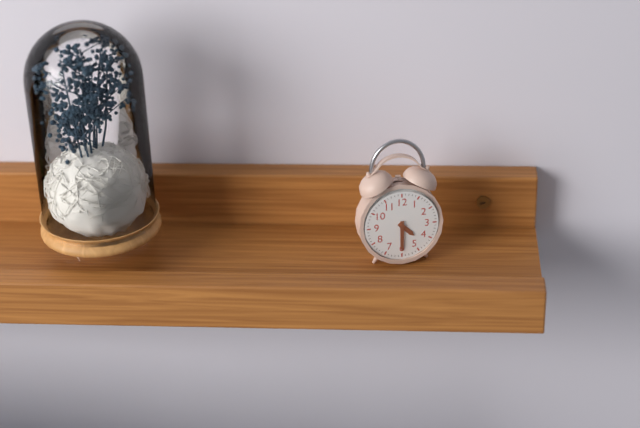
h=4 m=30
